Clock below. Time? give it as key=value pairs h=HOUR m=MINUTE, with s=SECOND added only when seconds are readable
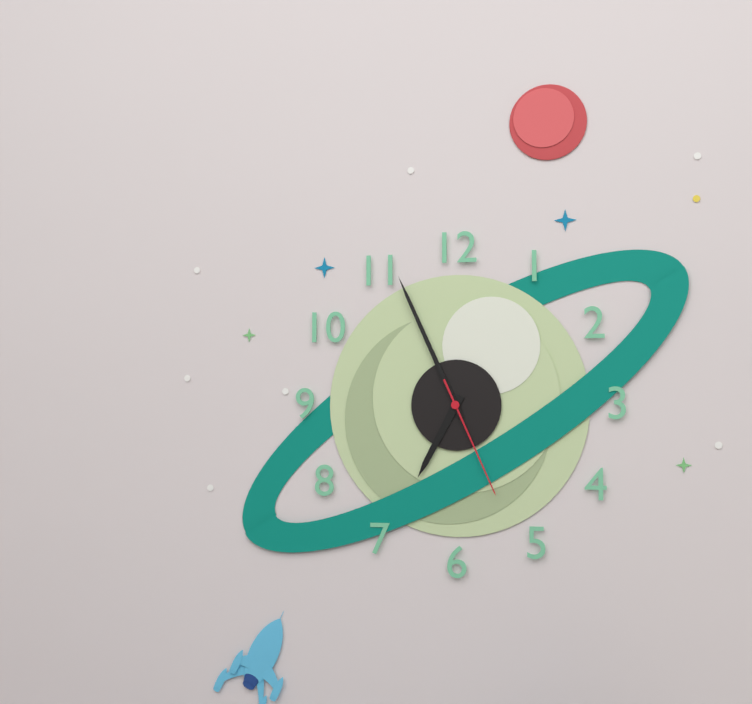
h=6 m=56 s=26
